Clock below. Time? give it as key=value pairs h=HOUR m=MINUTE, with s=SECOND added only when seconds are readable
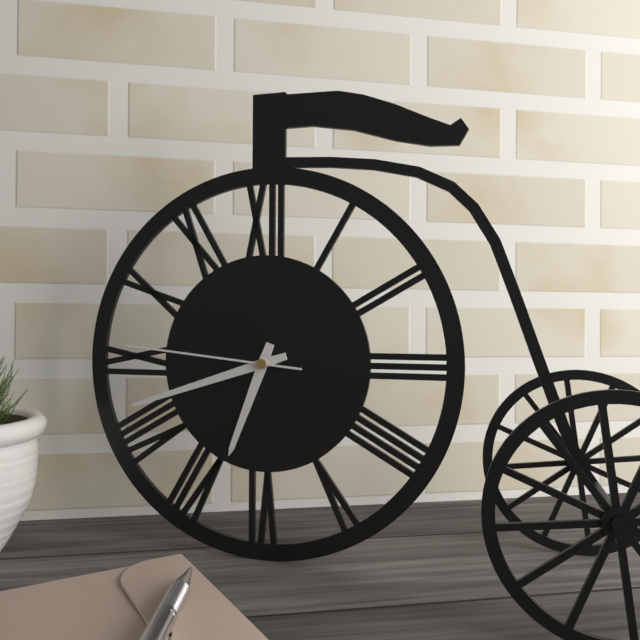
h=6 m=42 s=46
